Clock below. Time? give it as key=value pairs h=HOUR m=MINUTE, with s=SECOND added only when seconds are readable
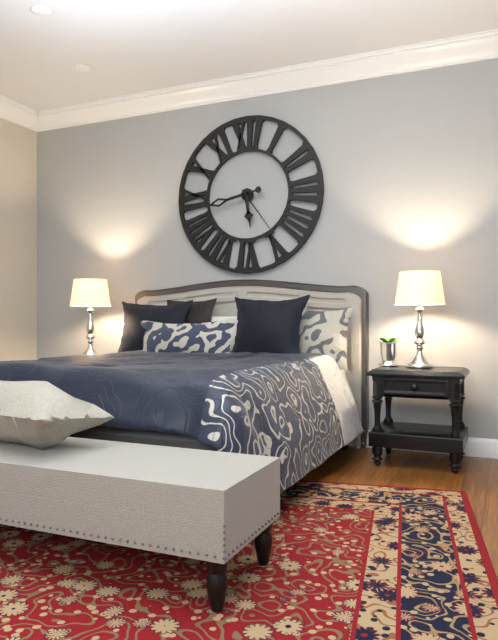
h=5 m=43 s=24
